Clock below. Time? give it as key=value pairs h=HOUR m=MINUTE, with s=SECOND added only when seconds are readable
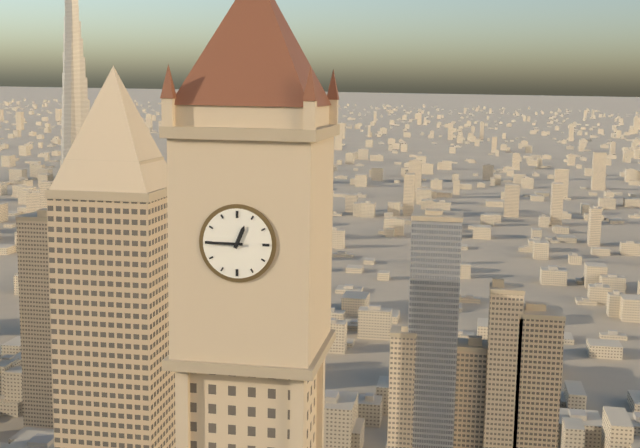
h=12 m=45
